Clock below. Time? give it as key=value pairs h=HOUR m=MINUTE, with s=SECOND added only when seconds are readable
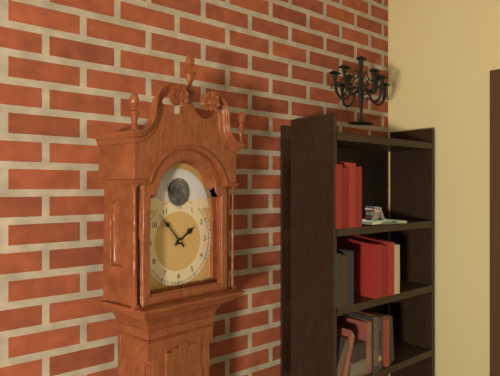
h=1 m=53
